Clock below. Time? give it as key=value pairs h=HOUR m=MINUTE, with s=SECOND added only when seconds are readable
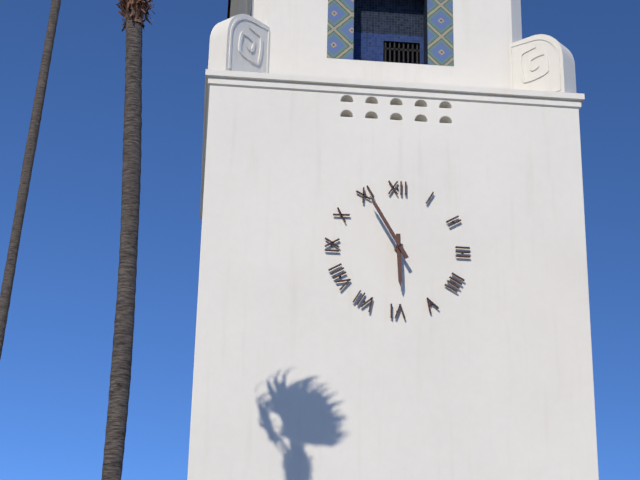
h=5 m=55
